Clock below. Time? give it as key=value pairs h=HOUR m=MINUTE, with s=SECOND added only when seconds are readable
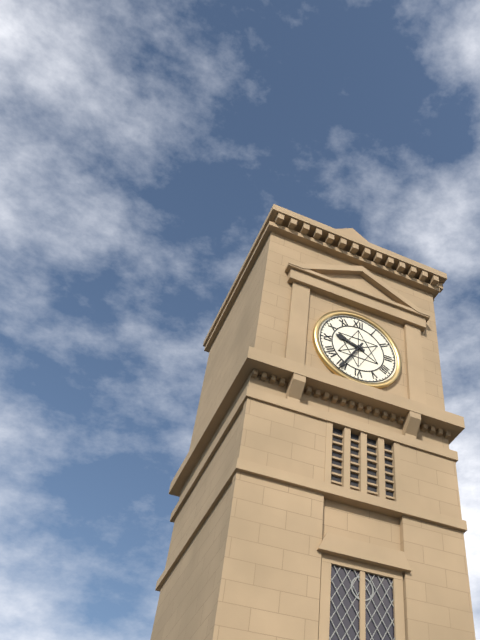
h=9 m=35
